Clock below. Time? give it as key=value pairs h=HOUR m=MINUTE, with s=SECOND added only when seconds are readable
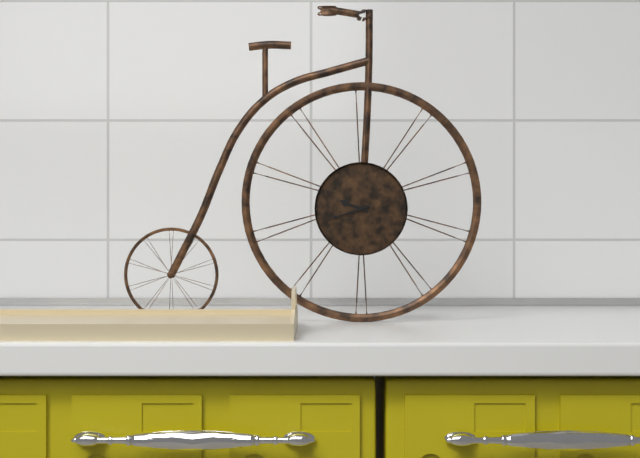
h=9 m=42
